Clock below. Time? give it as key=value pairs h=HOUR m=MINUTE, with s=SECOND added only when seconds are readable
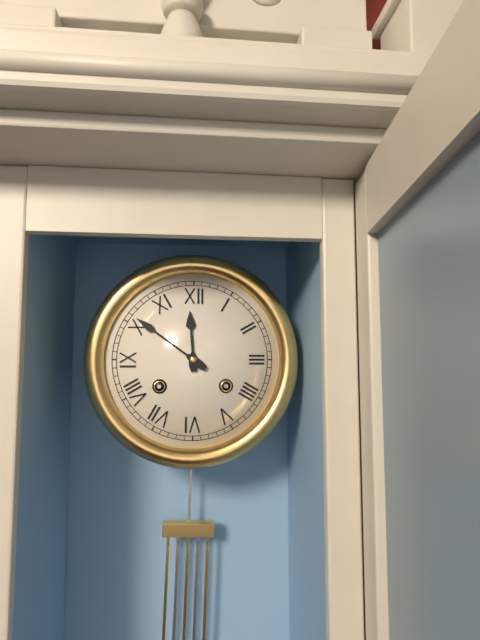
h=11 m=51
